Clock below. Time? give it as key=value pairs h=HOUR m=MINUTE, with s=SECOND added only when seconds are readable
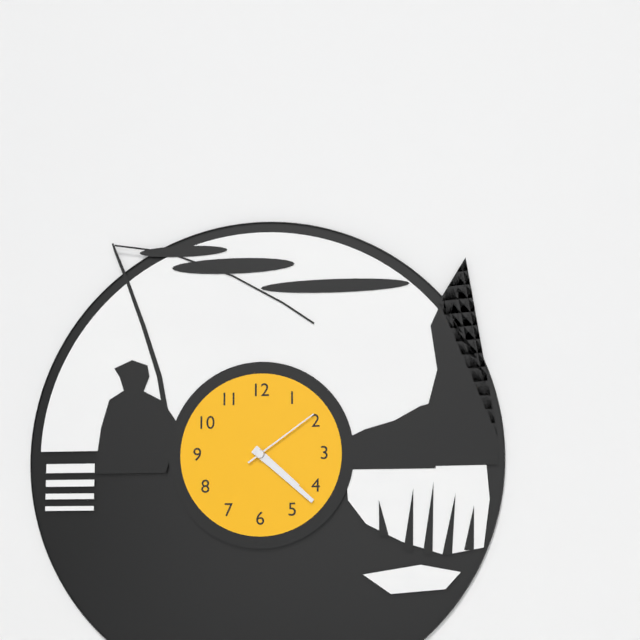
h=4 m=22 s=9
